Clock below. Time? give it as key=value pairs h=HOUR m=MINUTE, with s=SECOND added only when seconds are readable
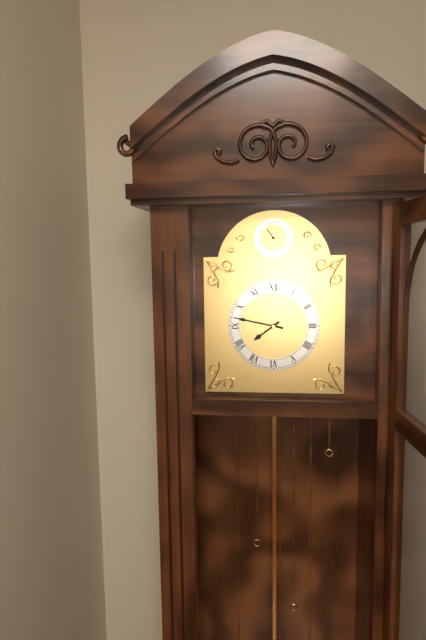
h=7 m=47
